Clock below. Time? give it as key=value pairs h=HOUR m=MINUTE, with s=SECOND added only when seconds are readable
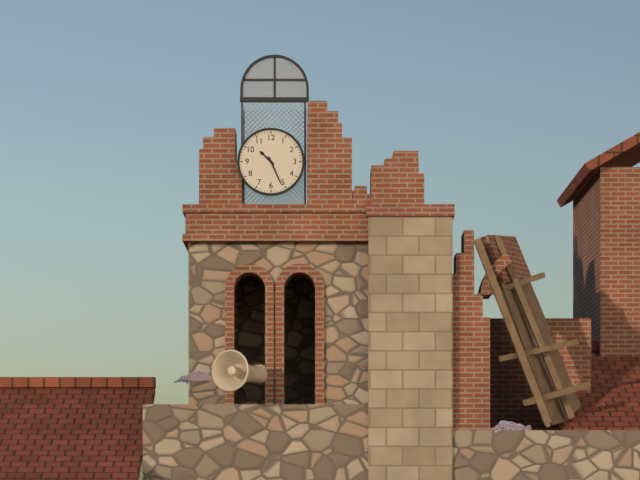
h=10 m=26
